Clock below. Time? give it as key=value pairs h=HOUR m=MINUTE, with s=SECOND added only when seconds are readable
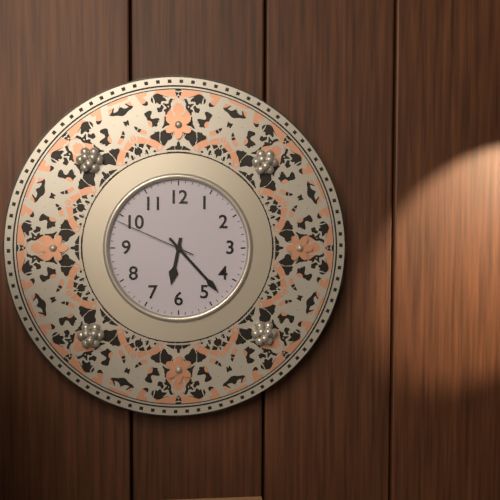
h=6 m=23 s=49
